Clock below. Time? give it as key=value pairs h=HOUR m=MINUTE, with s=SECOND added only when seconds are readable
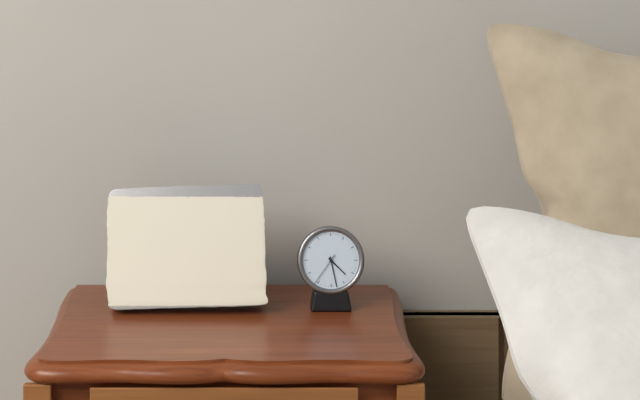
h=4 m=28
